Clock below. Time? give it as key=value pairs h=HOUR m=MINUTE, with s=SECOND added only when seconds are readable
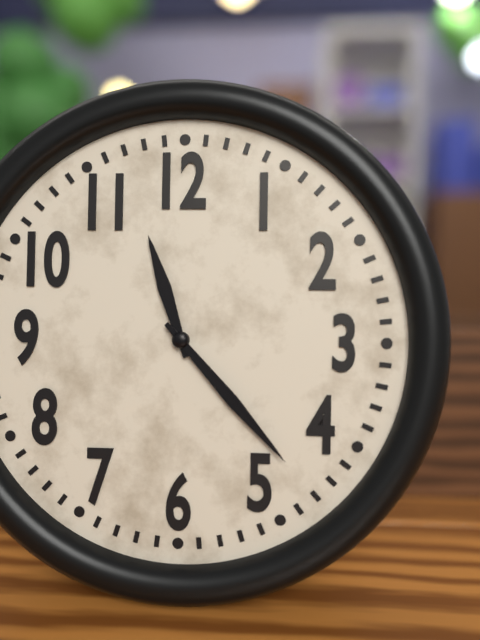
h=11 m=23
